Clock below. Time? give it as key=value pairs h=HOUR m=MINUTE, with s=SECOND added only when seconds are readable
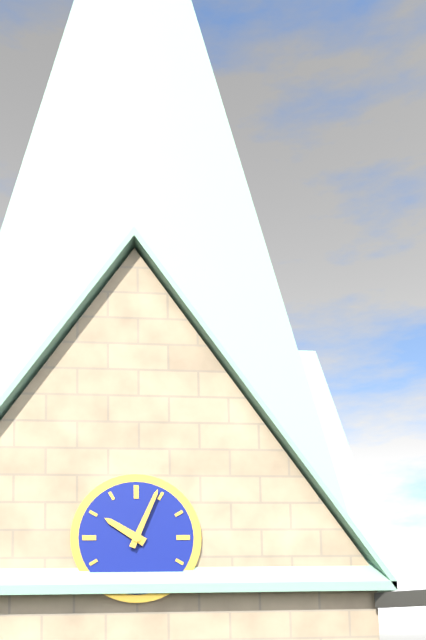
h=10 m=4
